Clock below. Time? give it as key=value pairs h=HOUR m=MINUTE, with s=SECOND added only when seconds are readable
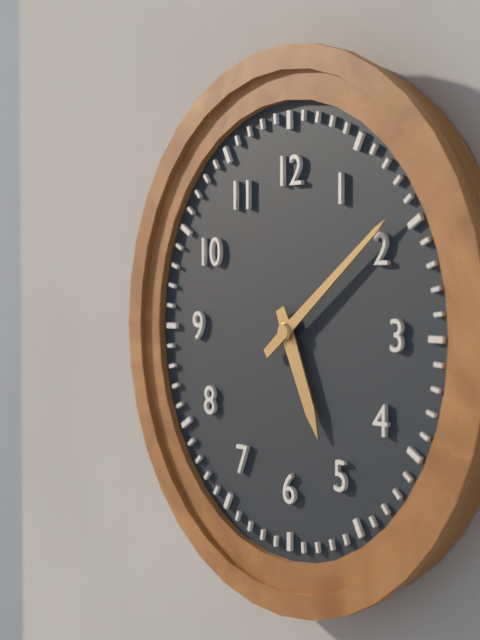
h=5 m=9
